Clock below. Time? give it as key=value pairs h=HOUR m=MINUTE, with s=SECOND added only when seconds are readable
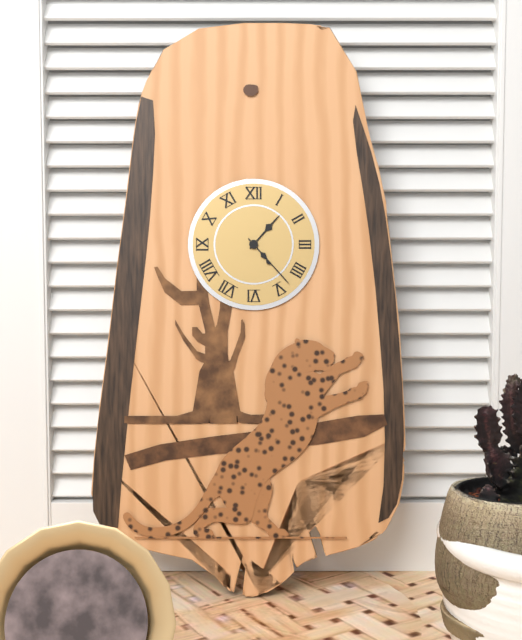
h=1 m=23
